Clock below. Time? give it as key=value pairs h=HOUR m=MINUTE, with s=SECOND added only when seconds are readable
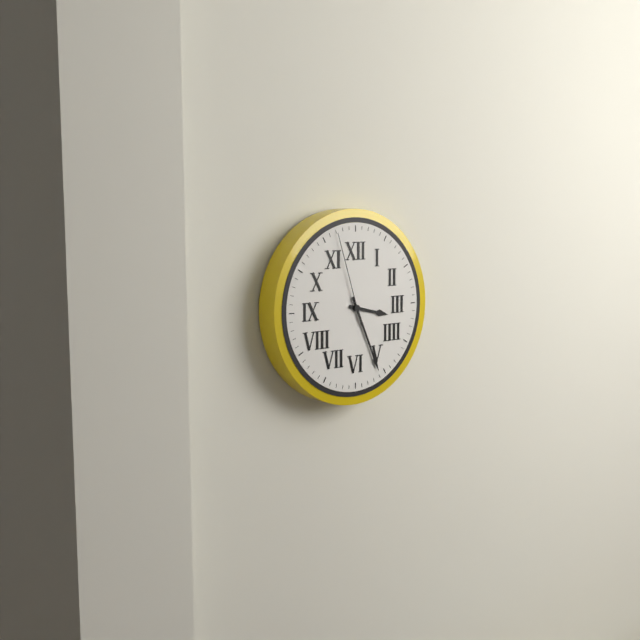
h=3 m=26 s=57
